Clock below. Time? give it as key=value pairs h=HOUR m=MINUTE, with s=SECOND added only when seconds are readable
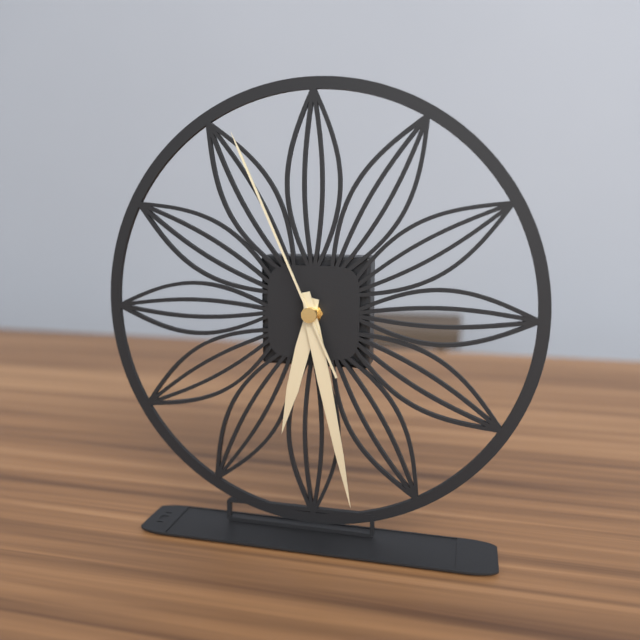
h=6 m=28 s=56
